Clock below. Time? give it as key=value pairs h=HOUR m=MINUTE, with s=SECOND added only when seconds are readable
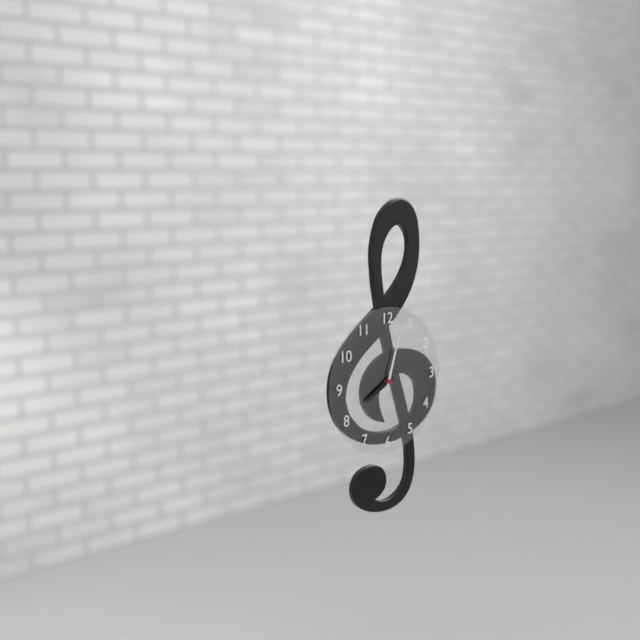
h=8 m=3
